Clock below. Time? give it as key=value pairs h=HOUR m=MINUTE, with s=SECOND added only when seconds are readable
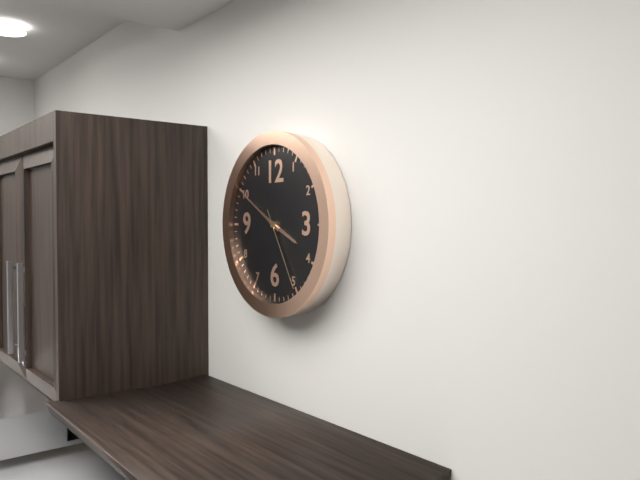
h=3 m=50 s=25
